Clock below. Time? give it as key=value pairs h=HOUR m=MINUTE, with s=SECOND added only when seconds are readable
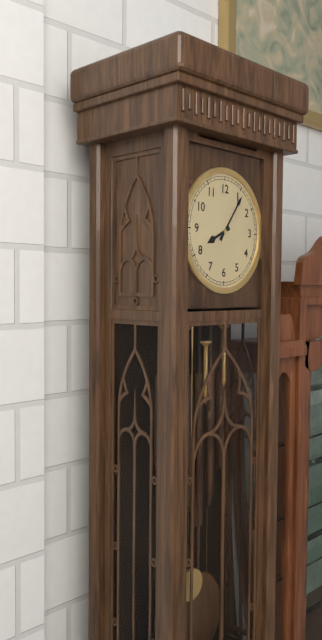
h=8 m=6
